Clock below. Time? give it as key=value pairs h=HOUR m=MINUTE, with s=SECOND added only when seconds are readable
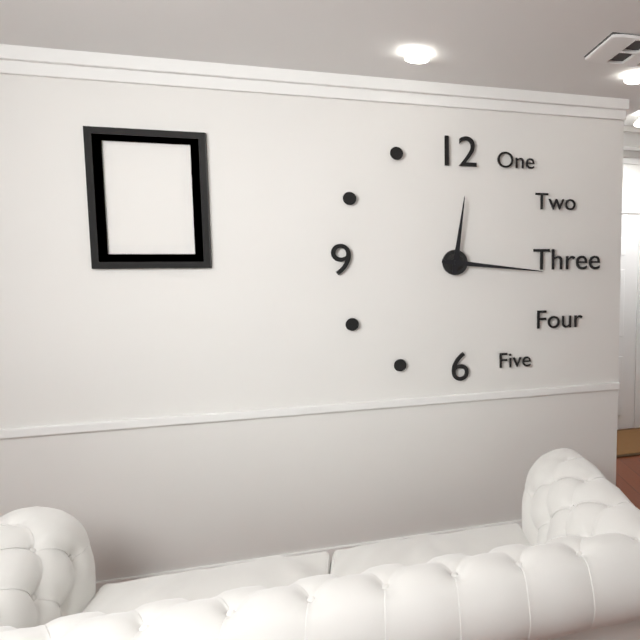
h=12 m=16
